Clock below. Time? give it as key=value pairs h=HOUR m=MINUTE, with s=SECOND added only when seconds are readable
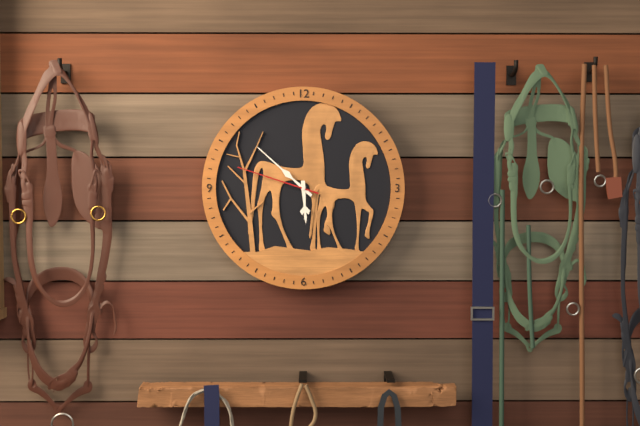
h=5 m=52 s=48
